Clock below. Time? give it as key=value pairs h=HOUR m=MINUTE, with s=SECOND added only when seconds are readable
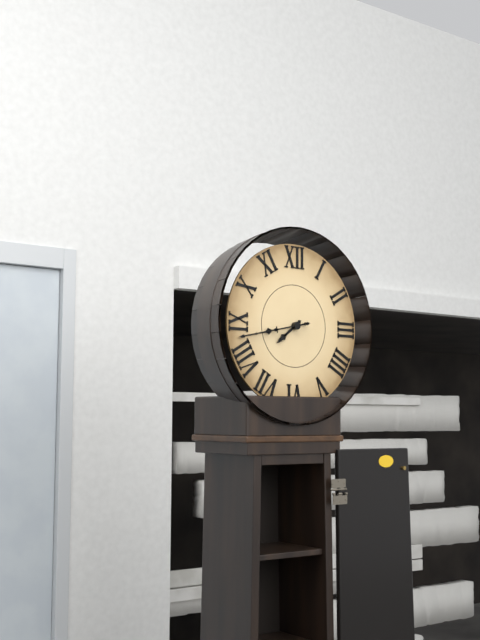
h=7 m=43 s=43
